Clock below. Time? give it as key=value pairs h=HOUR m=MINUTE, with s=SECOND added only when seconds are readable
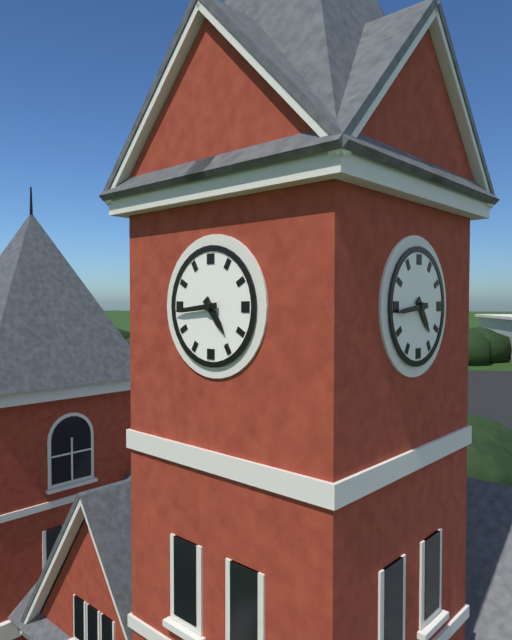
h=4 m=44
